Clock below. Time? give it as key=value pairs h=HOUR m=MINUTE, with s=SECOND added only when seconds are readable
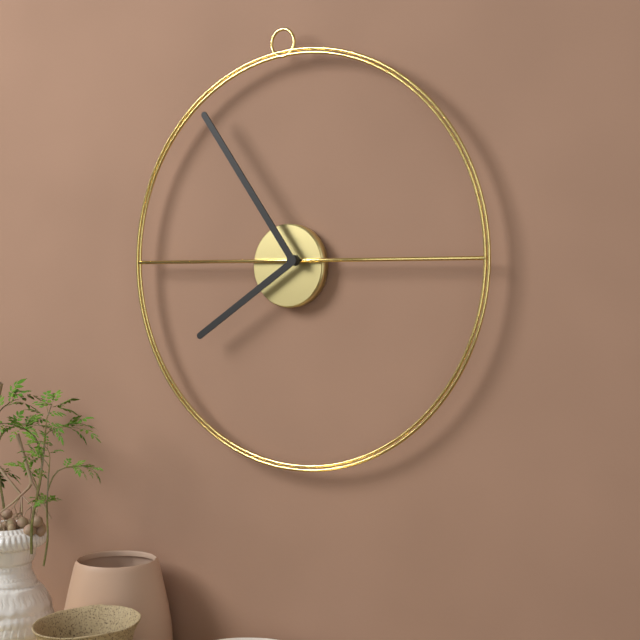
h=7 m=54
